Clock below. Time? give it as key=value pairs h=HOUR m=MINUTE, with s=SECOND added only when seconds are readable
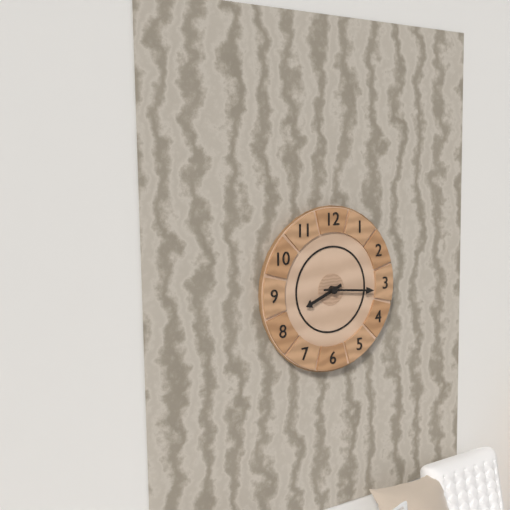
h=8 m=16
